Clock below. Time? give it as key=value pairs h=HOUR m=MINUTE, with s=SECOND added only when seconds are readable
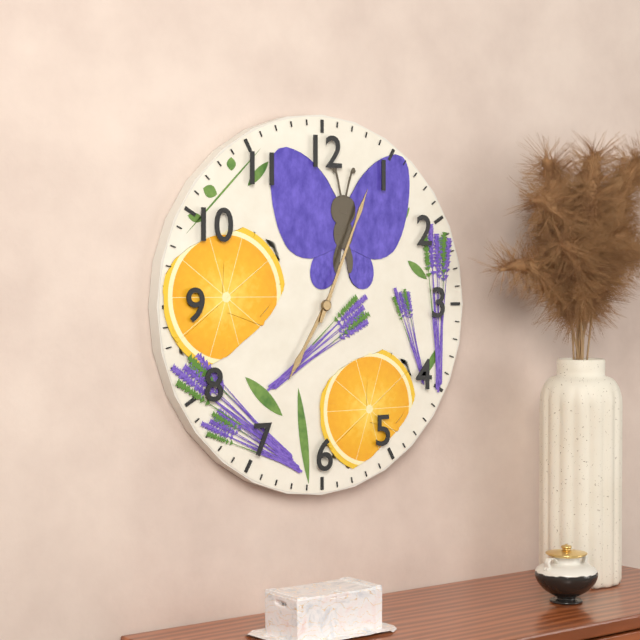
h=7 m=4
